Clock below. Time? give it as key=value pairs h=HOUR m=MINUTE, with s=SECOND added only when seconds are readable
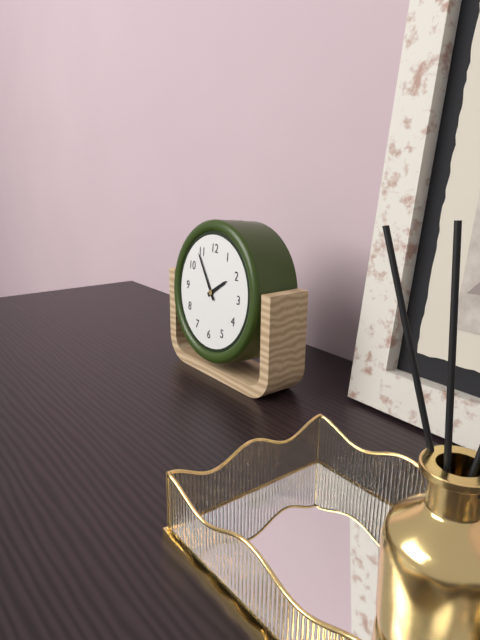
h=1 m=54
